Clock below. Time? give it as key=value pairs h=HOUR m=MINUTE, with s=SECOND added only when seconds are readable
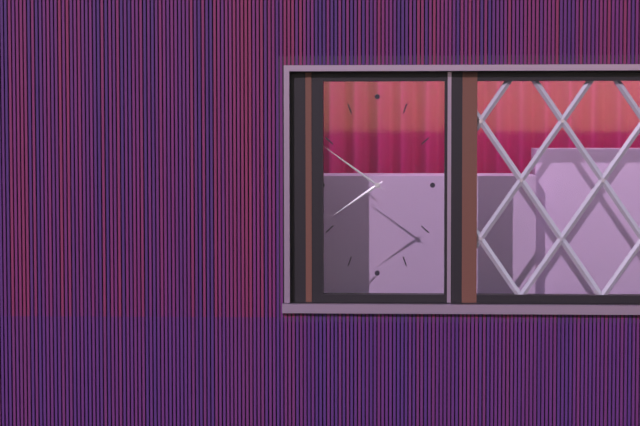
h=7 m=51
